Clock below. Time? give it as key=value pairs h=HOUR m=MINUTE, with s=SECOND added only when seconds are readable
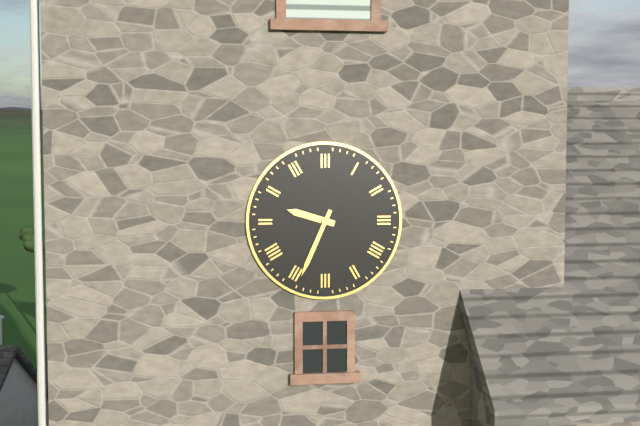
h=9 m=34
